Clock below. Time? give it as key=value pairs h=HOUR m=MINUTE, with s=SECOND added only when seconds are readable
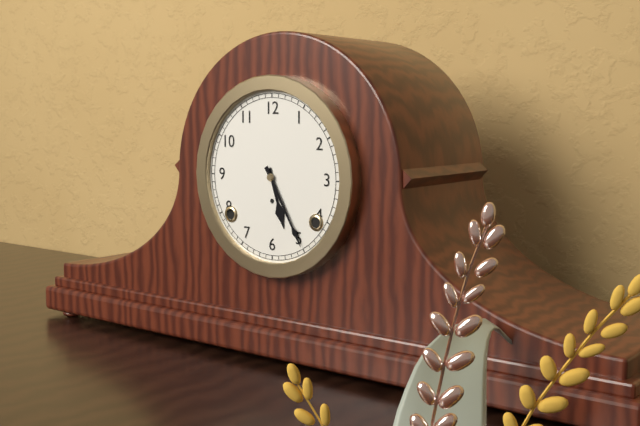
h=5 m=25
